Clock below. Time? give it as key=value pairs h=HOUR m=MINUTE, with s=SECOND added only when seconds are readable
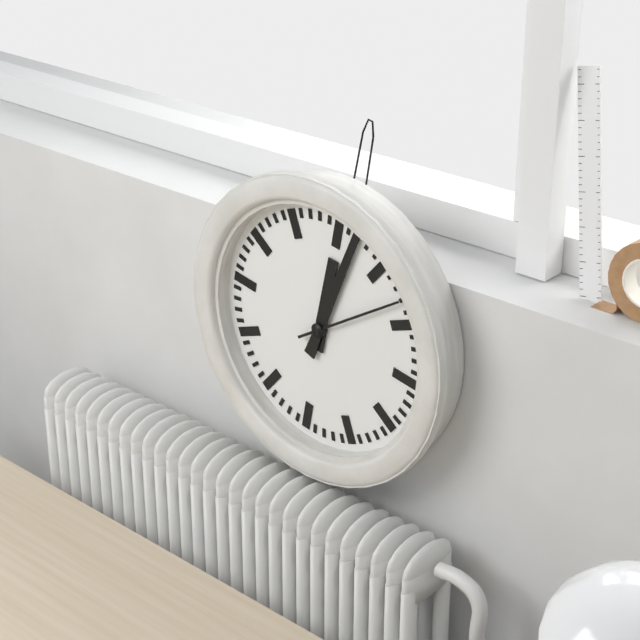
h=12 m=2 s=8
